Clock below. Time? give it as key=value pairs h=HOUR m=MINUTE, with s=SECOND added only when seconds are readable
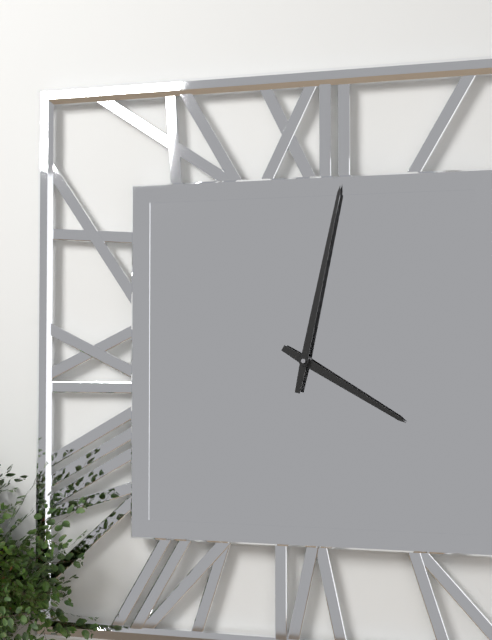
h=4 m=2
